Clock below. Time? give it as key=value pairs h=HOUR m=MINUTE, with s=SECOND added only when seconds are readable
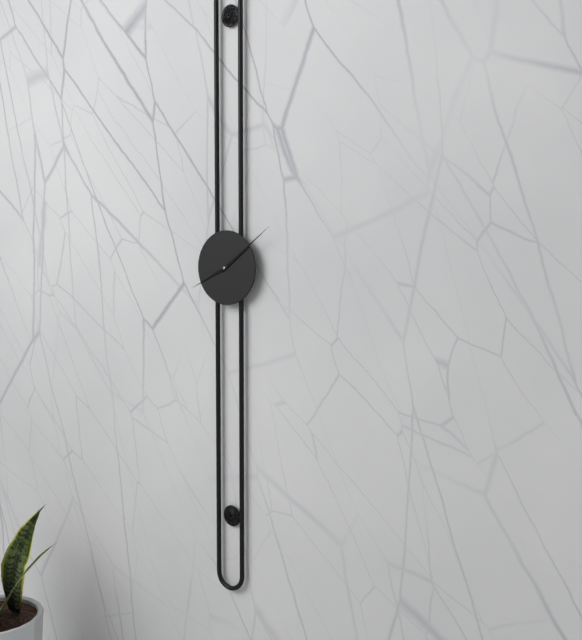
h=8 m=9
